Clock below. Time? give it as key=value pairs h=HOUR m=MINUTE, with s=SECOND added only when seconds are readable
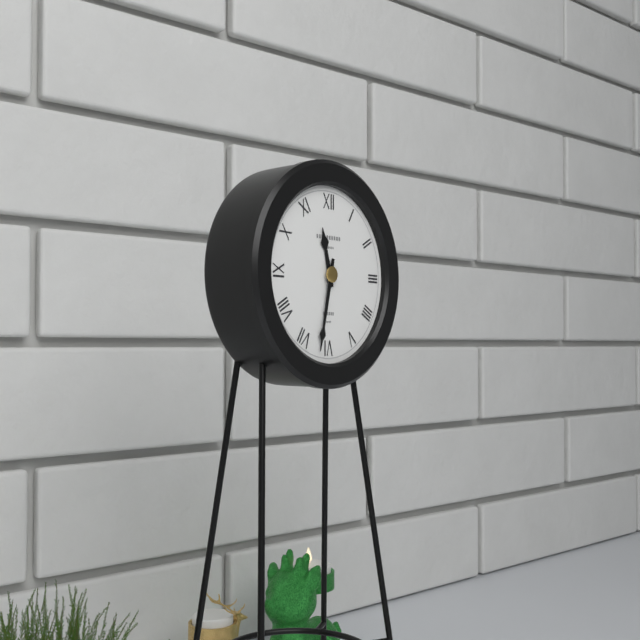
h=11 m=32
